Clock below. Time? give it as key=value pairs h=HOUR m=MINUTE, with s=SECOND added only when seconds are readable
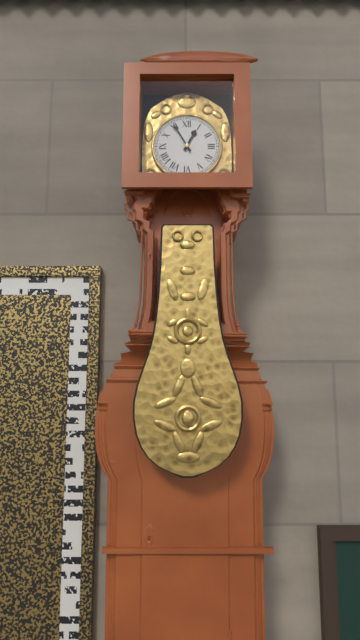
h=12 m=55
